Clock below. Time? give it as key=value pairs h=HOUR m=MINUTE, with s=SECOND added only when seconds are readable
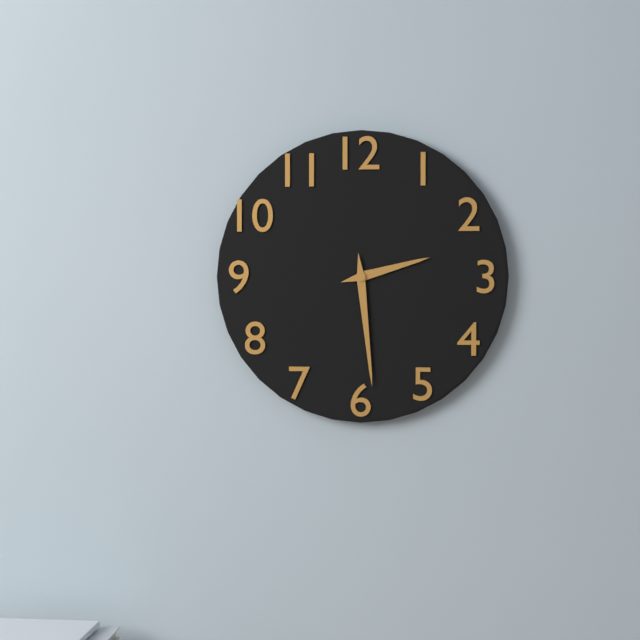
h=2 m=29
